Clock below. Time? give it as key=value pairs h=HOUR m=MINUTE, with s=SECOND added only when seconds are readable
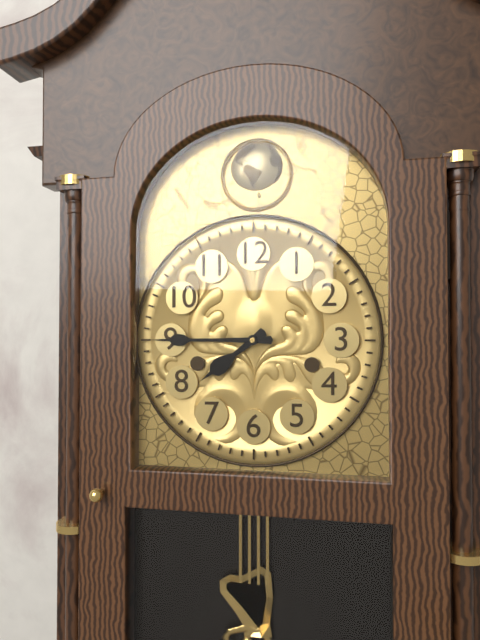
h=7 m=45
